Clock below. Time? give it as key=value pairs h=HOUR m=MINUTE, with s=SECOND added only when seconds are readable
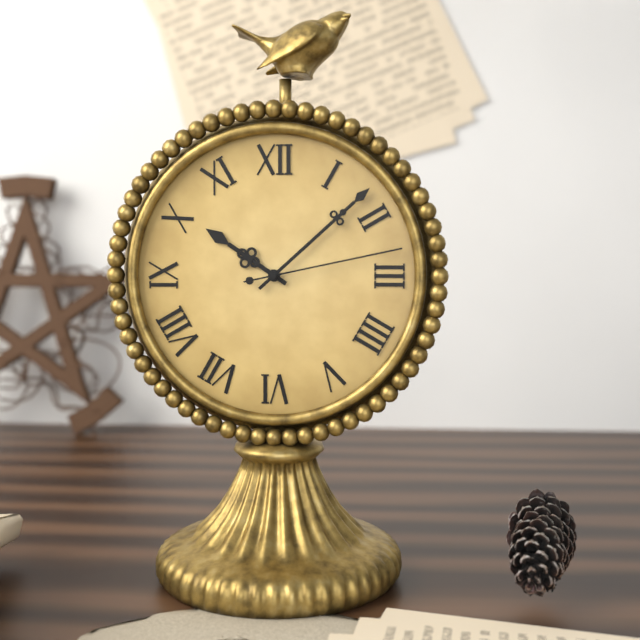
h=10 m=8 s=13
